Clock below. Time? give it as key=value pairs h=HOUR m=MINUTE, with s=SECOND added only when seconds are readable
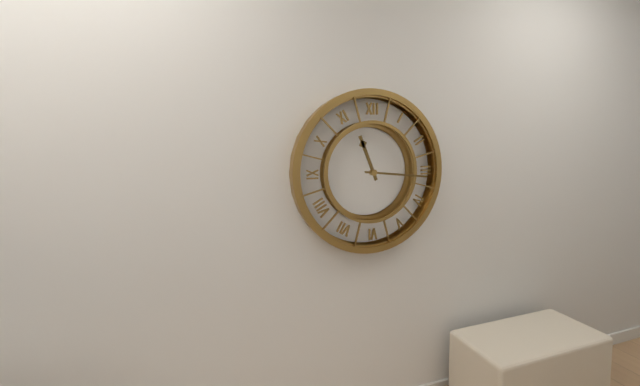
h=11 m=16
